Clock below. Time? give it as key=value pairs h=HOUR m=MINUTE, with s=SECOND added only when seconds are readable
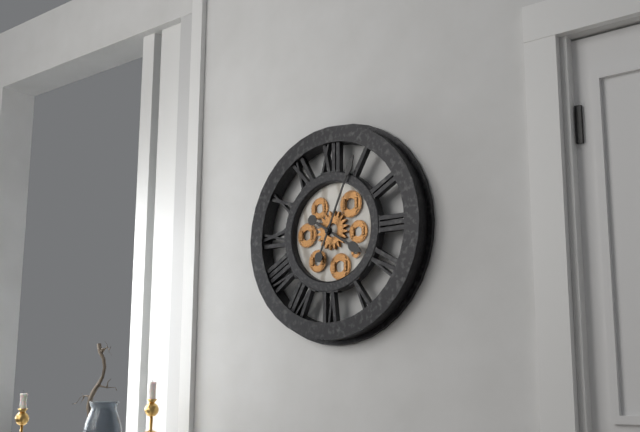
h=4 m=4
